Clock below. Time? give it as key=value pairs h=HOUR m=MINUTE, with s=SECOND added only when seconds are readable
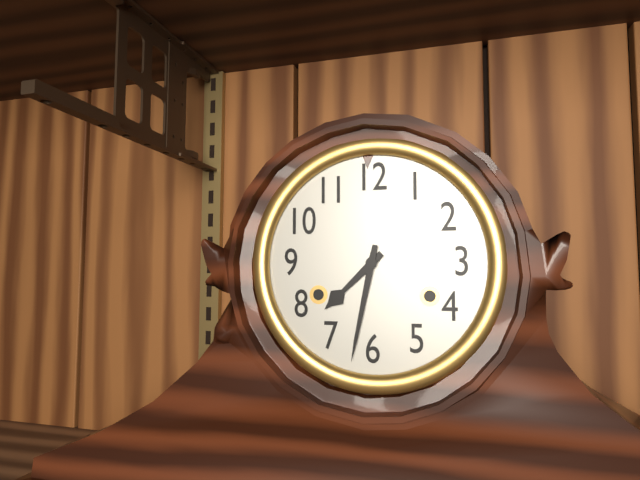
h=7 m=32
